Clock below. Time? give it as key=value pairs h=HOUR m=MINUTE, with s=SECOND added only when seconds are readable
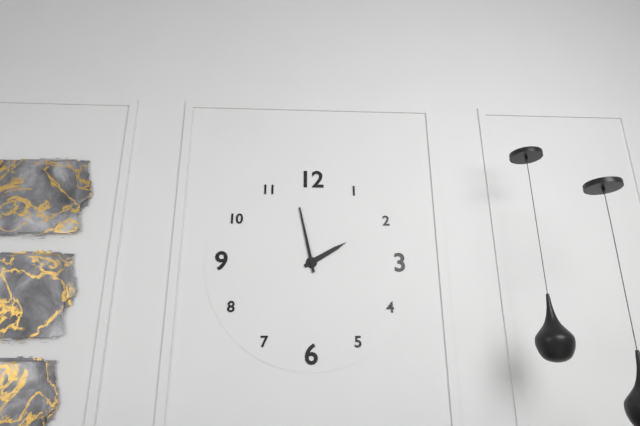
h=1 m=58
